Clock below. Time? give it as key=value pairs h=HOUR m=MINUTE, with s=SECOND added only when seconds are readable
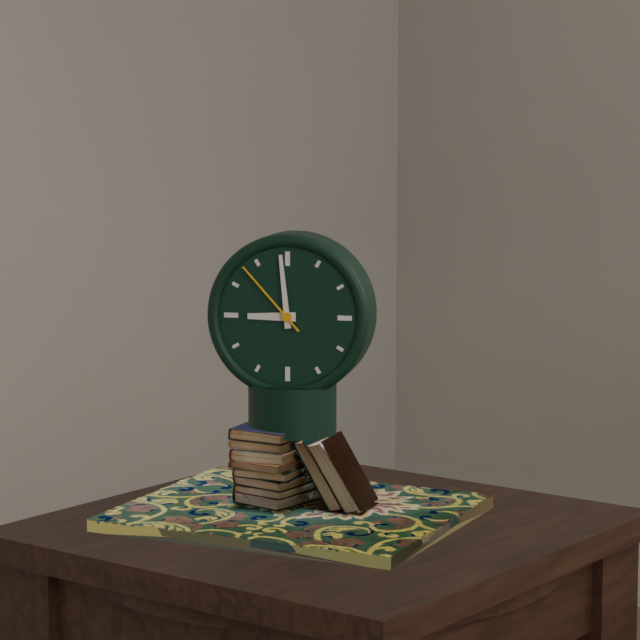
h=8 m=59 s=53
